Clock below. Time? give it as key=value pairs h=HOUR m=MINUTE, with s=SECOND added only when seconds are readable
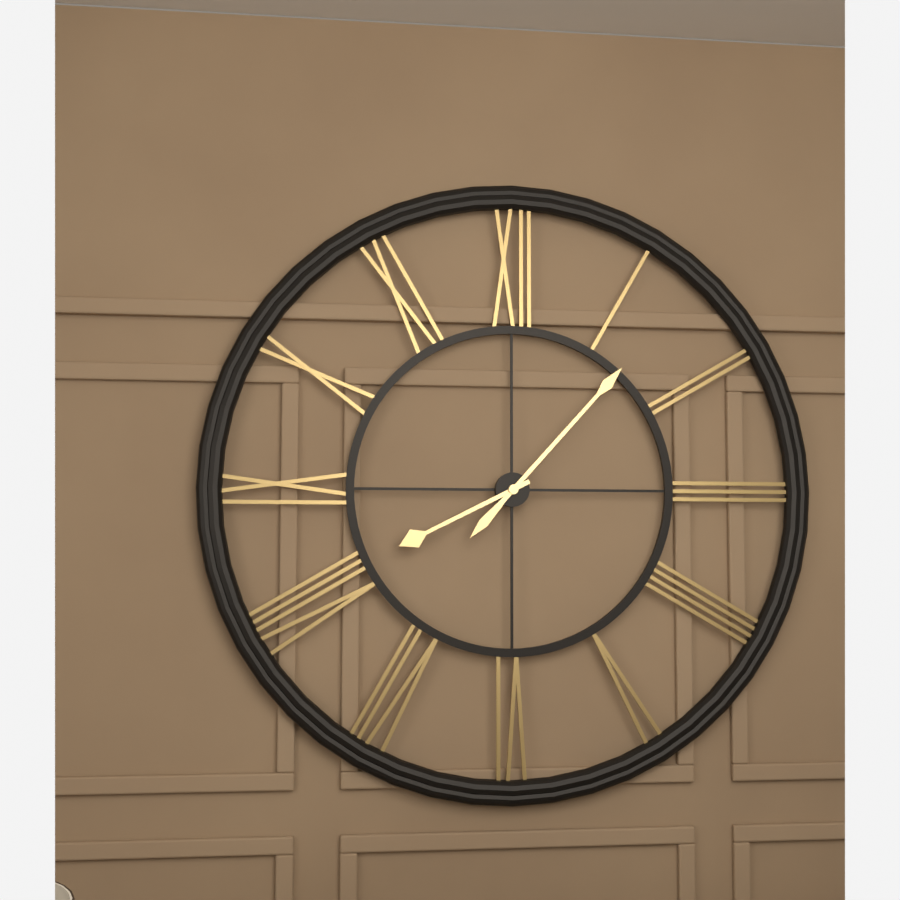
h=8 m=7
